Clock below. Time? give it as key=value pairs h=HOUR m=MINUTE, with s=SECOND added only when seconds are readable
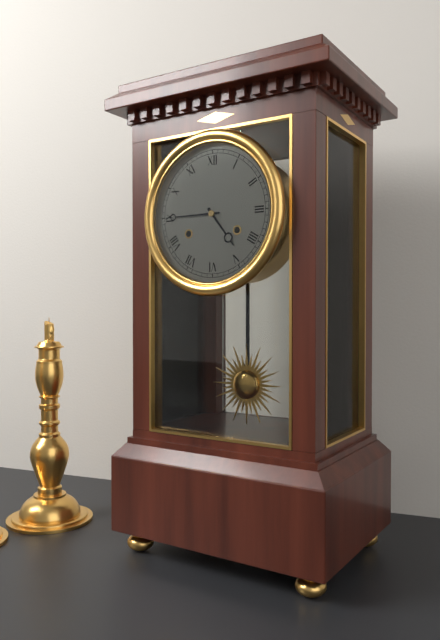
h=4 m=45
